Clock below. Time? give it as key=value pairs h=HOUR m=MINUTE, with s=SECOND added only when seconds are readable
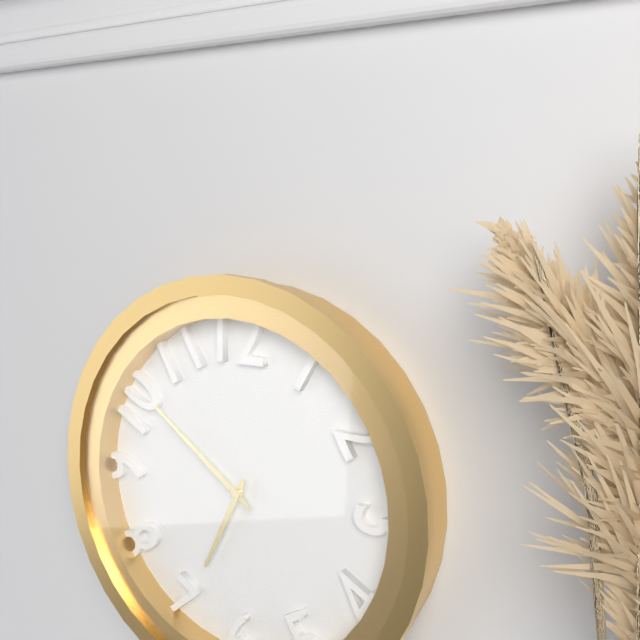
h=6 m=51
